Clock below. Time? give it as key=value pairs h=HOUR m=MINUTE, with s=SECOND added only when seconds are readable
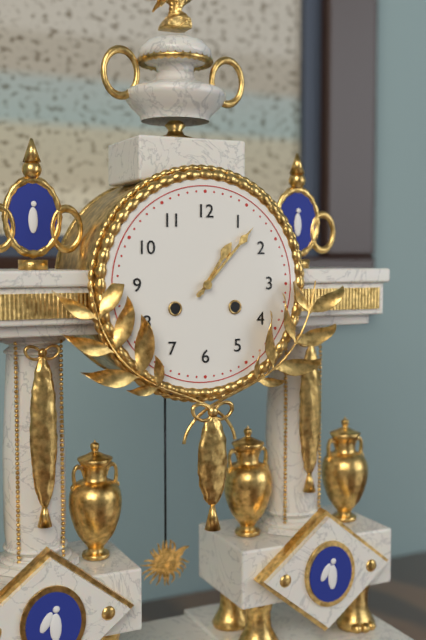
h=1 m=7
